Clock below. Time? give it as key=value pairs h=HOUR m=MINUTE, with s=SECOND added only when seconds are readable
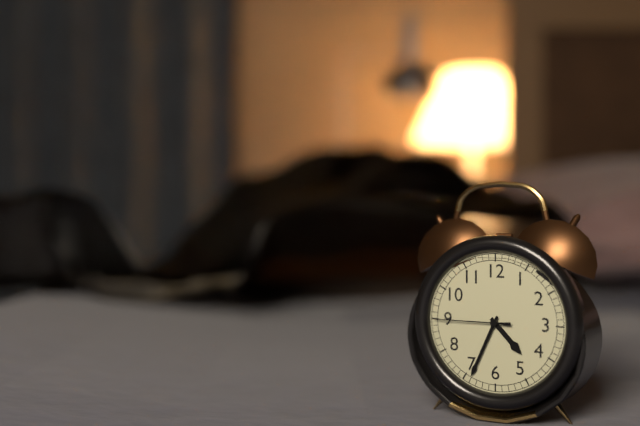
h=4 m=34 s=45
